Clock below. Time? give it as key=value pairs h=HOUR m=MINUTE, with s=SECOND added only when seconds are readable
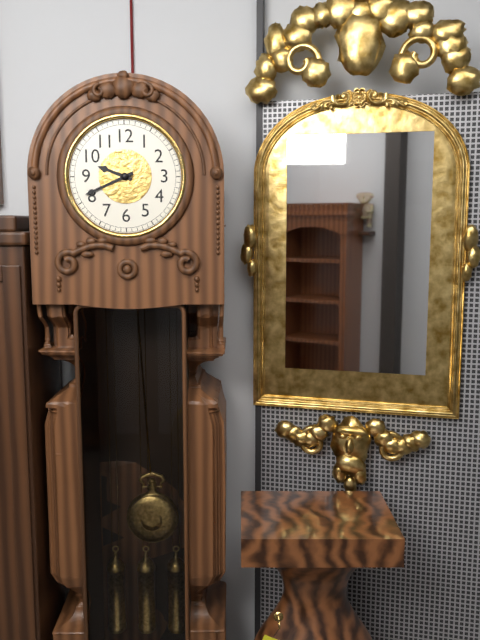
h=9 m=41
